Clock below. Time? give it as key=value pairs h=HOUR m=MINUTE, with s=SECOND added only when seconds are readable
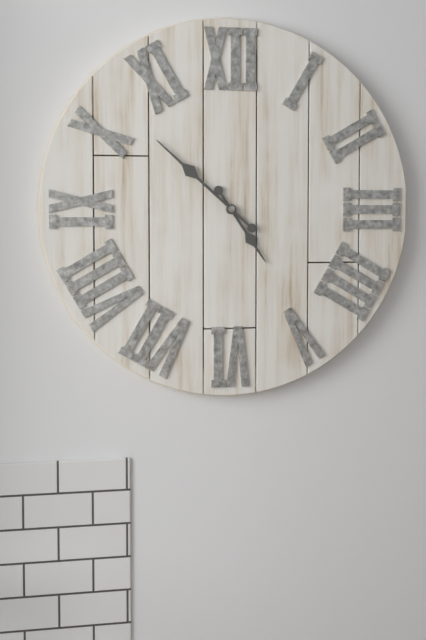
h=4 m=52
